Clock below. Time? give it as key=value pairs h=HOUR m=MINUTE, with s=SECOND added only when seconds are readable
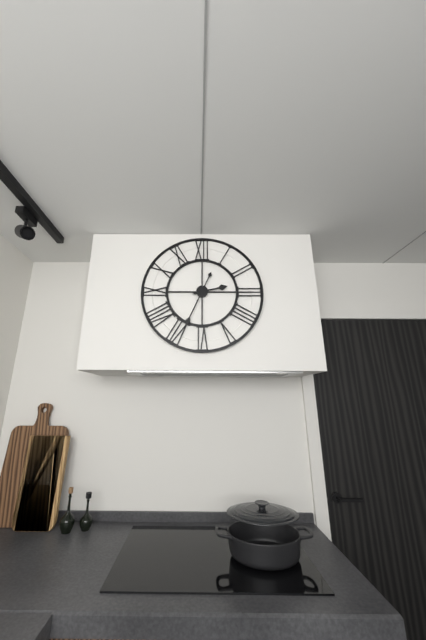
h=2 m=34
